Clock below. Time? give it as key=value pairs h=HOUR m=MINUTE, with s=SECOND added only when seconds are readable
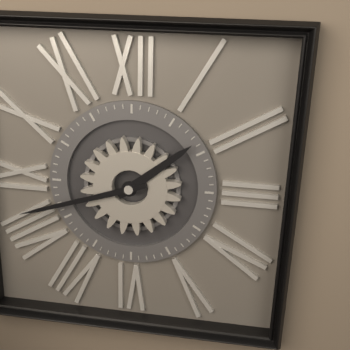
h=1 m=42
